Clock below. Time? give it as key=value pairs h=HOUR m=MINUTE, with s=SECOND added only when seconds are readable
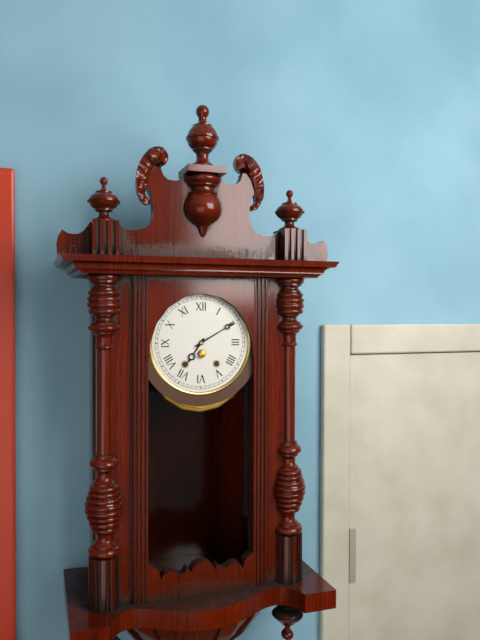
h=7 m=10
